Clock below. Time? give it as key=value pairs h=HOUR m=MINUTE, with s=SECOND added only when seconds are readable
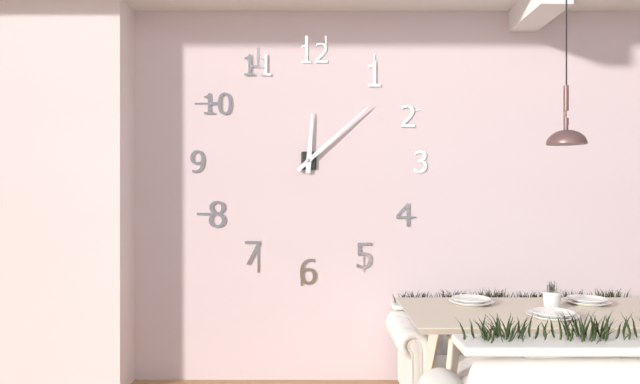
h=12 m=8
